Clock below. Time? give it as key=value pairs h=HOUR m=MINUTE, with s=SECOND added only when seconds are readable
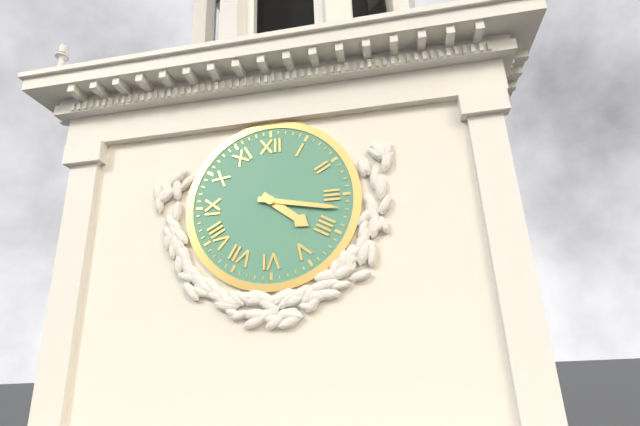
h=4 m=17
